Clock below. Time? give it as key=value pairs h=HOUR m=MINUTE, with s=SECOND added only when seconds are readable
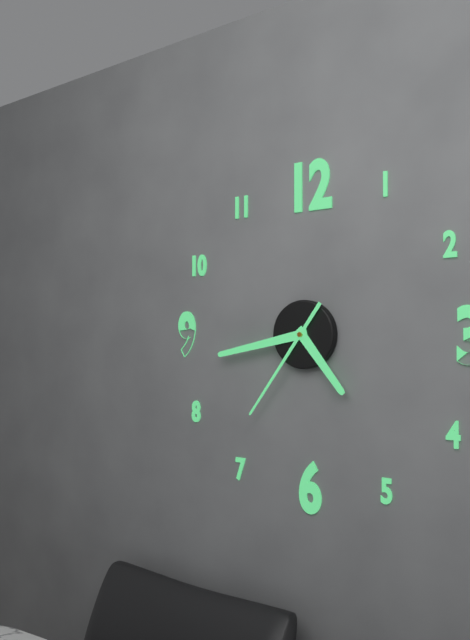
h=4 m=43 s=36
